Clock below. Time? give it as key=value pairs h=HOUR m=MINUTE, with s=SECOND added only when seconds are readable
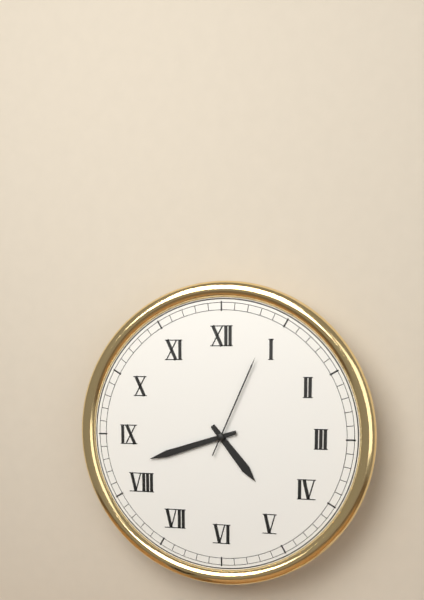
h=4 m=42 s=4
